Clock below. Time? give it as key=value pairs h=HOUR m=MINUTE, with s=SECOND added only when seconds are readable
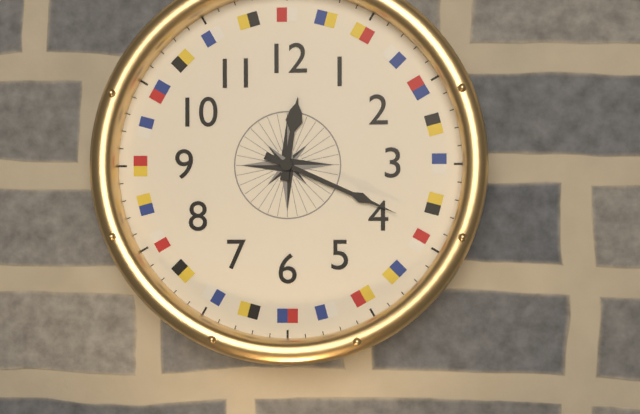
h=12 m=19
